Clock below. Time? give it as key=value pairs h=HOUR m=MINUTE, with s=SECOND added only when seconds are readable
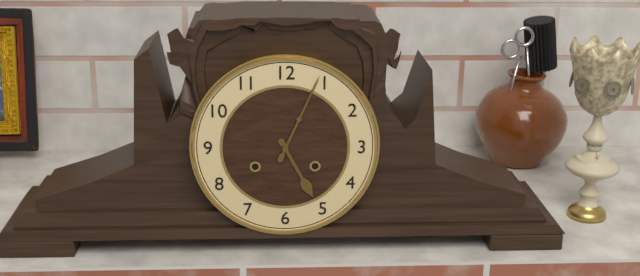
h=5 m=4
